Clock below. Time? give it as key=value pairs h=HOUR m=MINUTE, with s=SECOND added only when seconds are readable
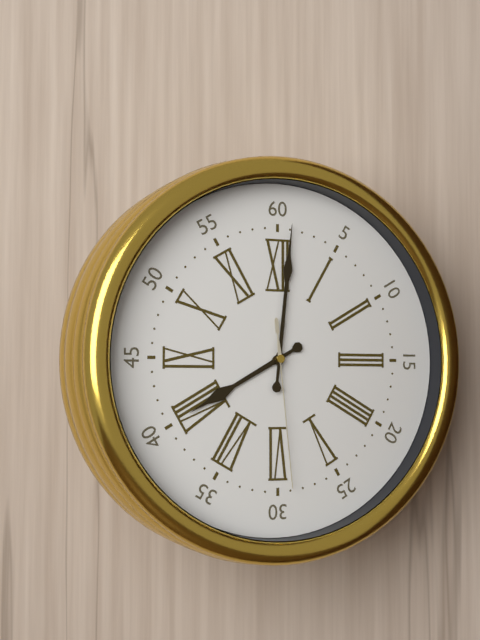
h=8 m=1 s=29
